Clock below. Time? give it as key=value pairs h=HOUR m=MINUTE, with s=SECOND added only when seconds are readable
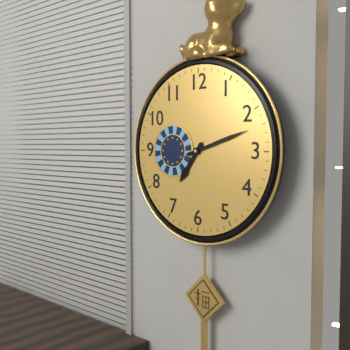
h=7 m=12
